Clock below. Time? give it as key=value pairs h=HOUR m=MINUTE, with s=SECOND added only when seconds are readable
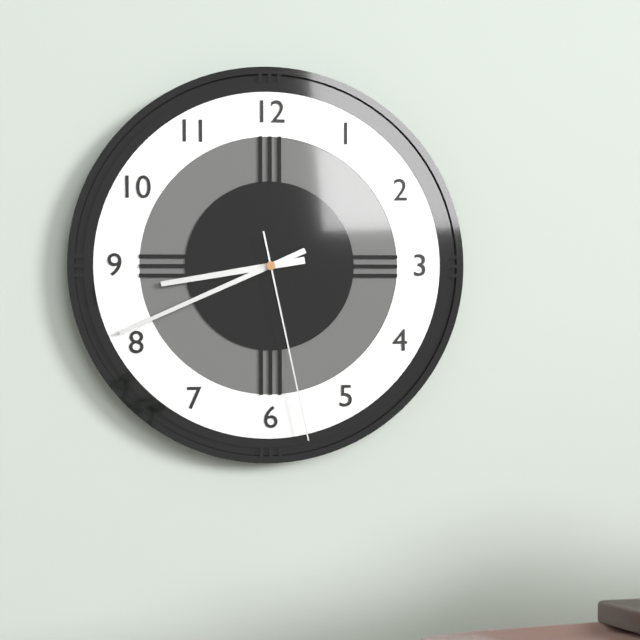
h=8 m=41 s=28
